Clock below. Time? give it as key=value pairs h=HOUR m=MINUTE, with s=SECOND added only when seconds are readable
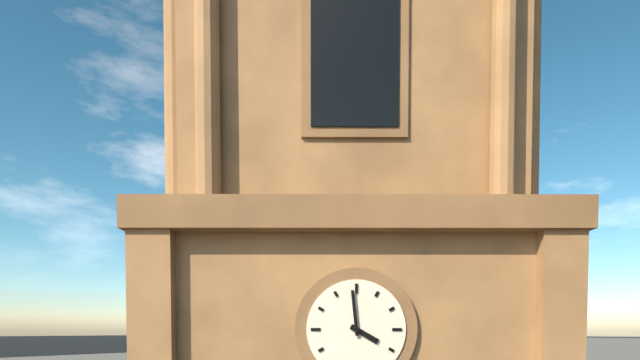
h=3 m=59
